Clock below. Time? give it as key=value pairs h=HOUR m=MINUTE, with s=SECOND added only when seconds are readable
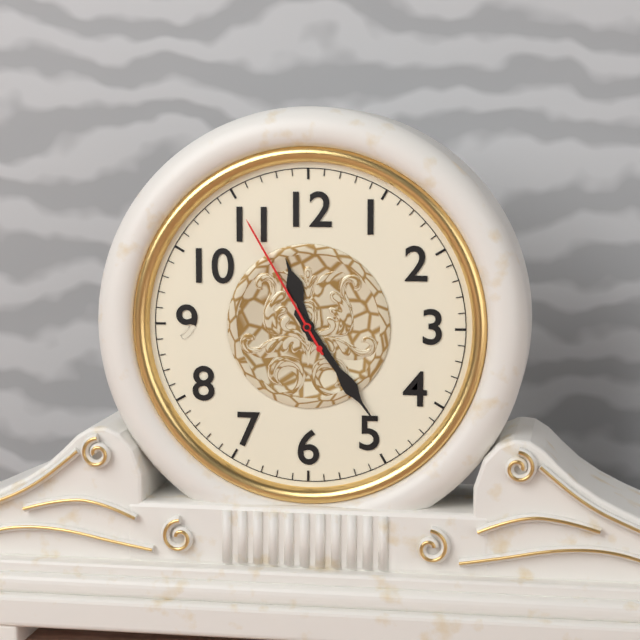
h=11 m=24 s=55
